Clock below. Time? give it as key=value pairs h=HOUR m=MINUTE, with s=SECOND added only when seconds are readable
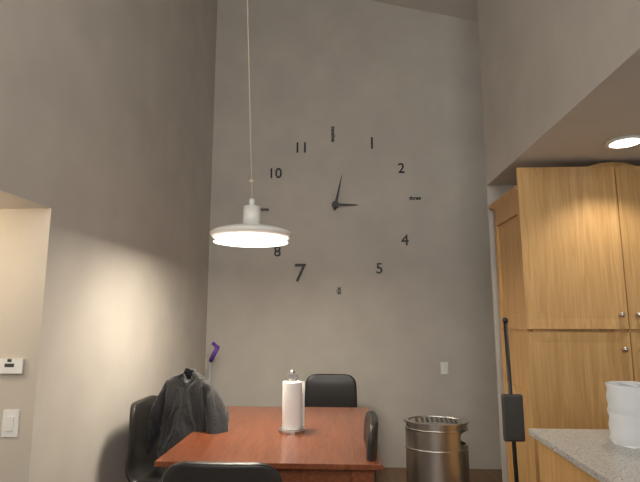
h=3 m=2
